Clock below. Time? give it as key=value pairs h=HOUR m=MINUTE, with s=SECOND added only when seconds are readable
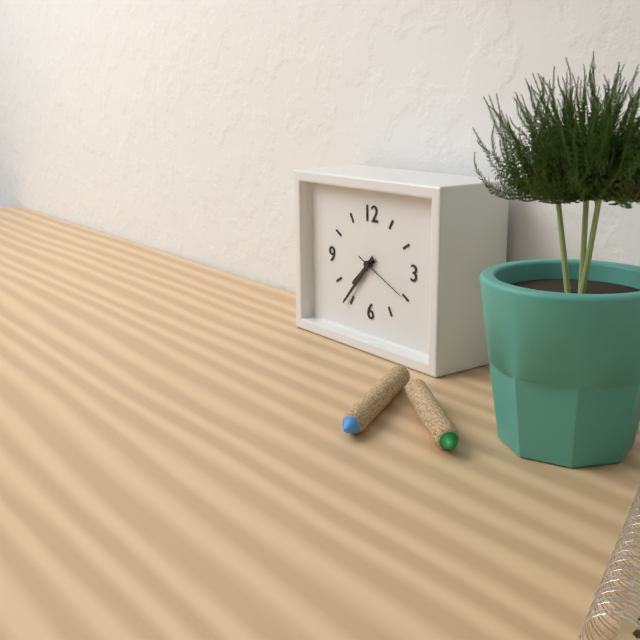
h=7 m=37 s=19
